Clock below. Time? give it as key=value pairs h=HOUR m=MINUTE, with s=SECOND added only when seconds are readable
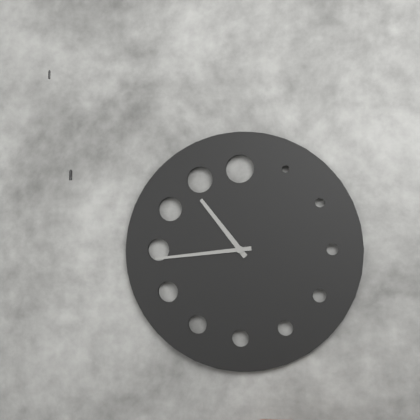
h=10 m=44
